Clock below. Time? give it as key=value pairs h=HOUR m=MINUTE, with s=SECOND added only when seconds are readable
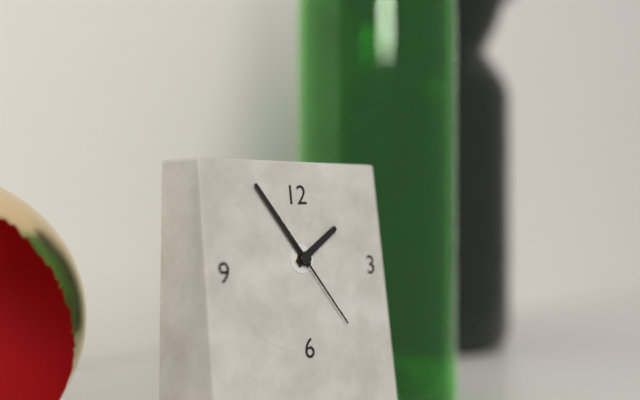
h=1 m=54 s=24
